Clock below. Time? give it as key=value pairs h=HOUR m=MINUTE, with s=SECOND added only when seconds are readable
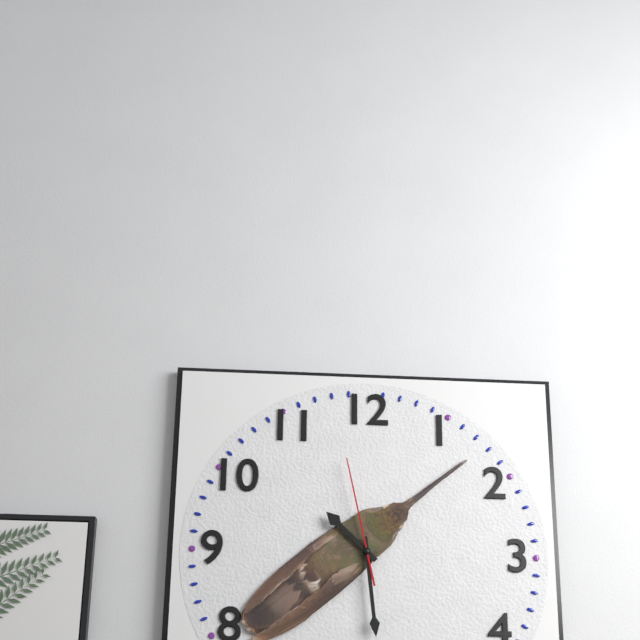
h=10 m=29 s=58
